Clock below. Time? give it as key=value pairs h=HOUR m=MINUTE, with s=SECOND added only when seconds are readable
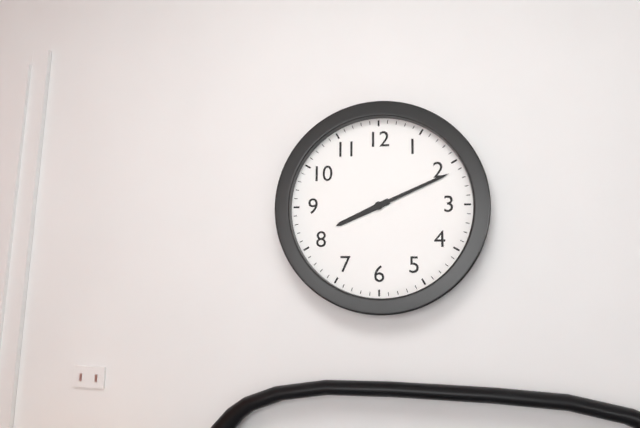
h=8 m=11
